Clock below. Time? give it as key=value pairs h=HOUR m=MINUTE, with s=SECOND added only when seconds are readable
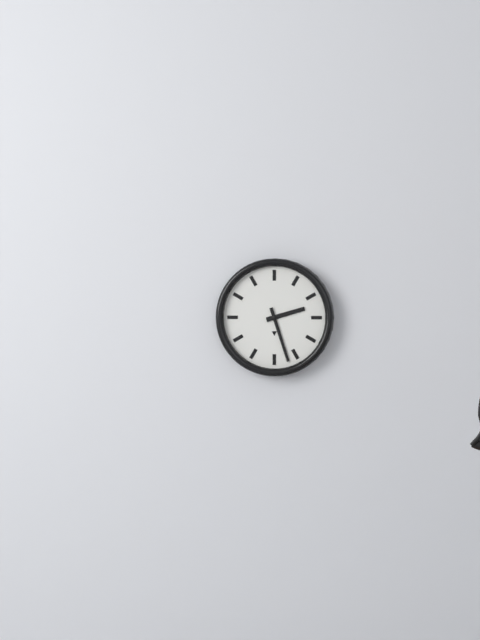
h=2 m=27
